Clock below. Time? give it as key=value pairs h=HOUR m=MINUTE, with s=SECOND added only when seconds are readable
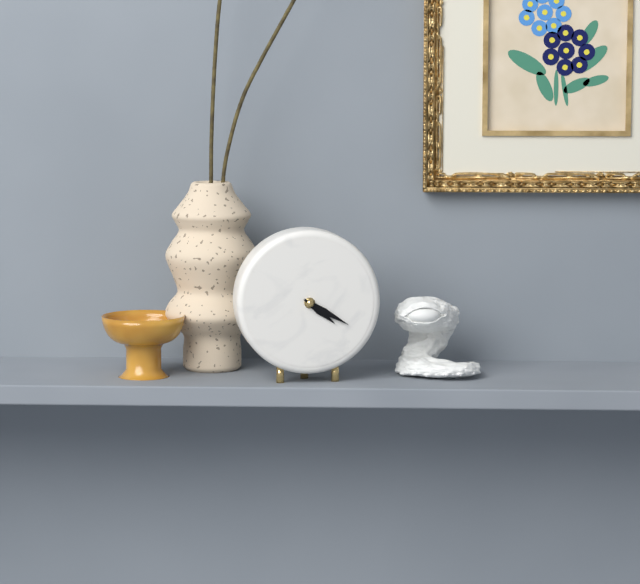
h=4 m=20
